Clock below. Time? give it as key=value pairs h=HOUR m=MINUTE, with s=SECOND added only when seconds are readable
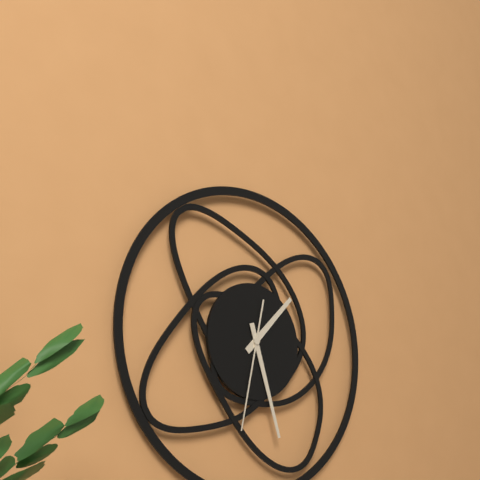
h=1 m=27 s=32
